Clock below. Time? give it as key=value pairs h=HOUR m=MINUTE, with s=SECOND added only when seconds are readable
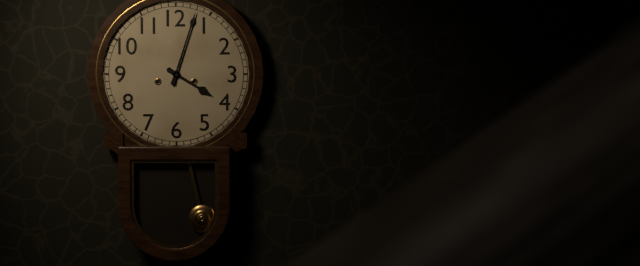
h=4 m=3
